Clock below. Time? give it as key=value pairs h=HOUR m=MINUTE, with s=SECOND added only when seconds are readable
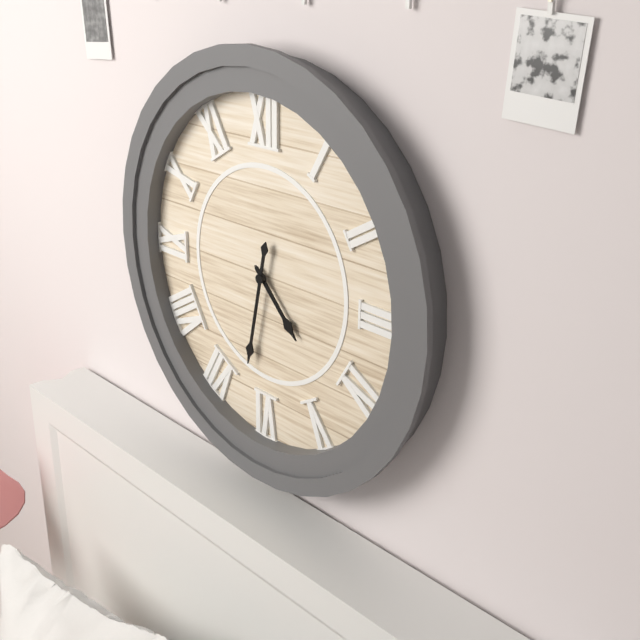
h=4 m=32
